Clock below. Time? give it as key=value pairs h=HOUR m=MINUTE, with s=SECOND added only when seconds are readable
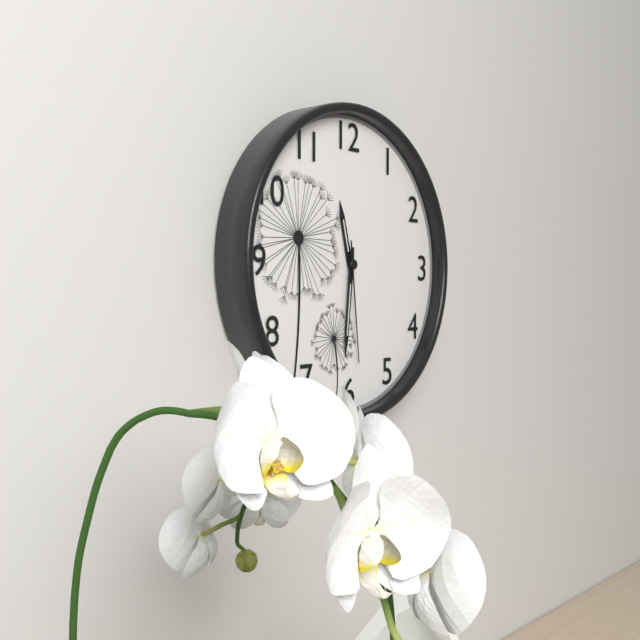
h=11 m=31 s=29
